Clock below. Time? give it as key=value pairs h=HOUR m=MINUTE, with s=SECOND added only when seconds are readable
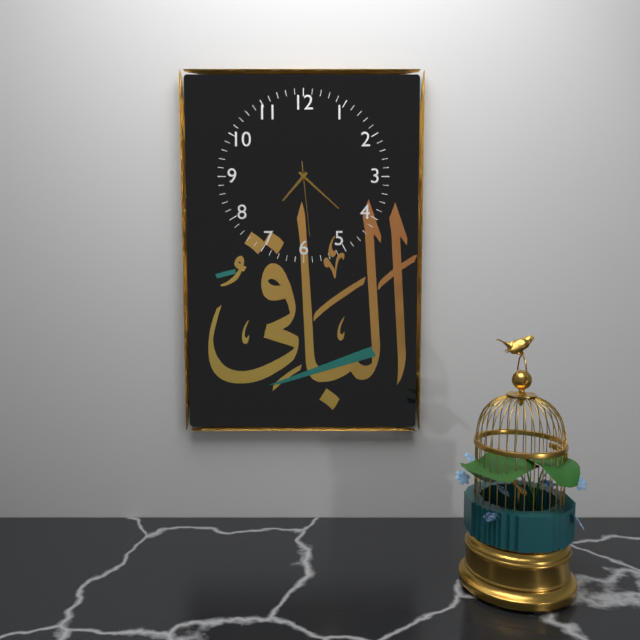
h=7 m=22 s=29
